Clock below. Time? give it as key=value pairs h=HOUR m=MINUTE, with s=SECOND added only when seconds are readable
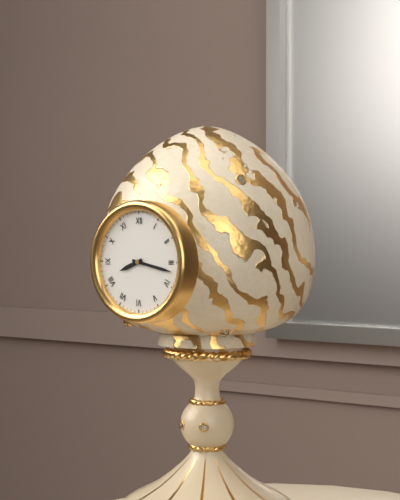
h=8 m=17
